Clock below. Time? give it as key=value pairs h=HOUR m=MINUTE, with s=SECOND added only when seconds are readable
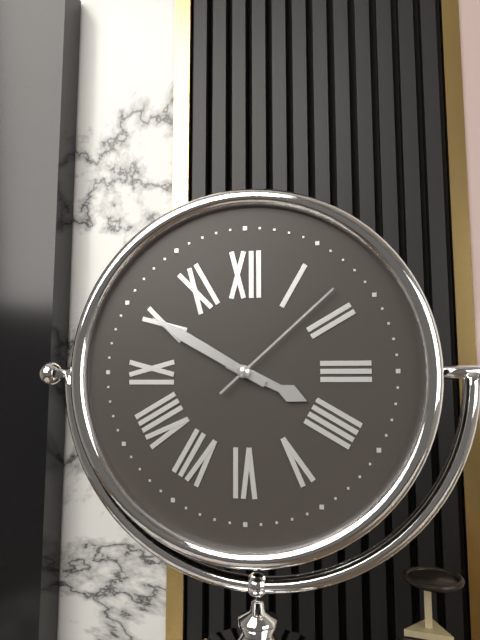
h=3 m=50 s=8
